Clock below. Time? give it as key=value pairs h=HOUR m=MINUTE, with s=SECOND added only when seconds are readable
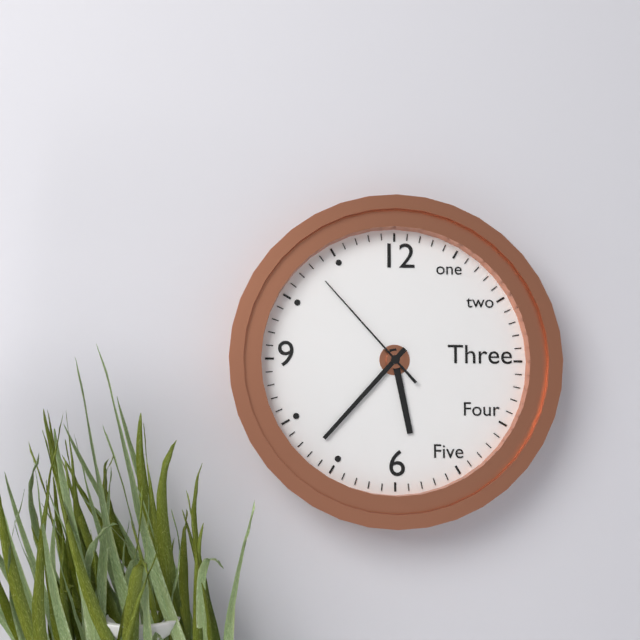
h=5 m=37 s=53
